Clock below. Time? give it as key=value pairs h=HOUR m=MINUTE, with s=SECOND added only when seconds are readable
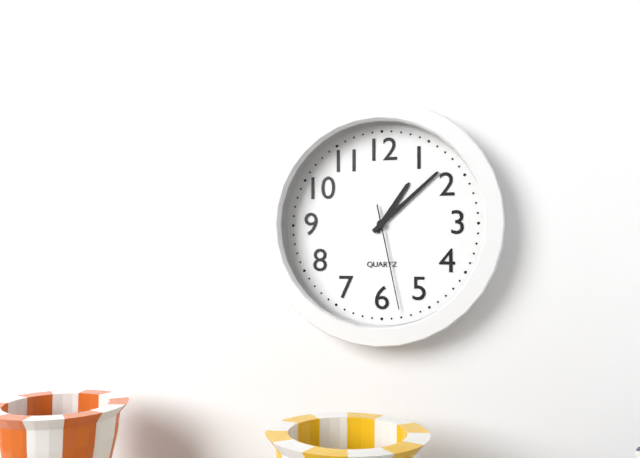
h=1 m=8 s=28
